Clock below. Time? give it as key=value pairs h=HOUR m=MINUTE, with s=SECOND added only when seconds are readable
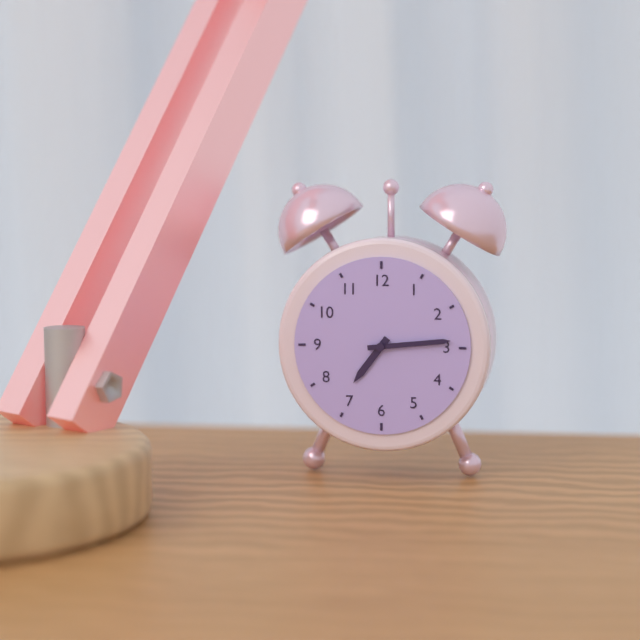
h=7 m=14
